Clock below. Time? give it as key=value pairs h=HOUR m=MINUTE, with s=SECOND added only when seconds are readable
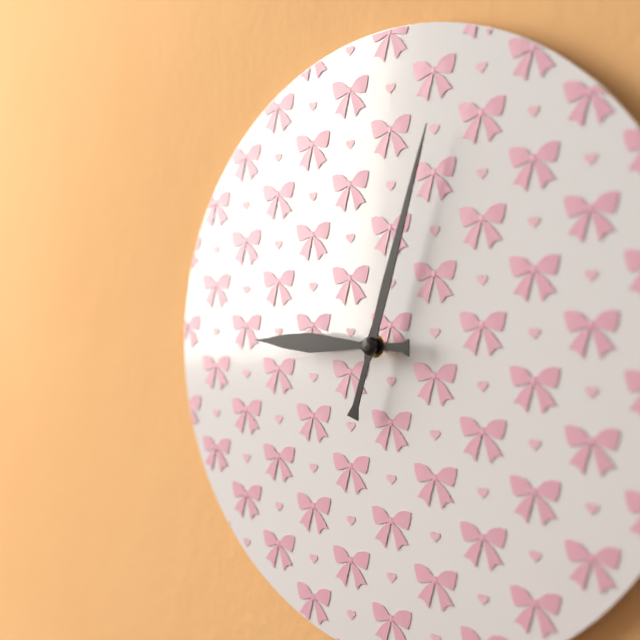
h=9 m=3
